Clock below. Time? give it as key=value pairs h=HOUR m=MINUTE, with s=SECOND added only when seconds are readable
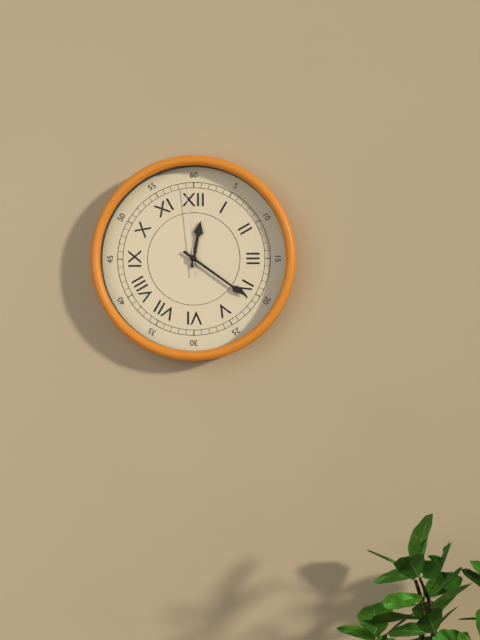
h=12 m=21 s=59
